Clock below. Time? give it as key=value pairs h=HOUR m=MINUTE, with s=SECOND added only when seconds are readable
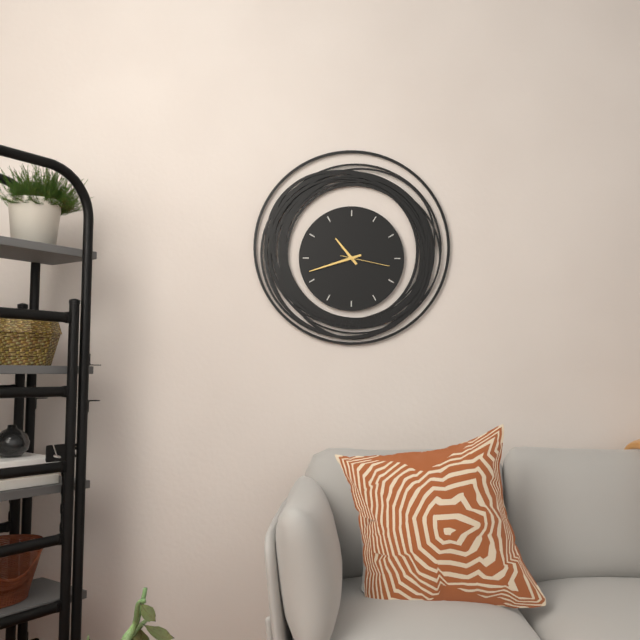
h=10 m=42
